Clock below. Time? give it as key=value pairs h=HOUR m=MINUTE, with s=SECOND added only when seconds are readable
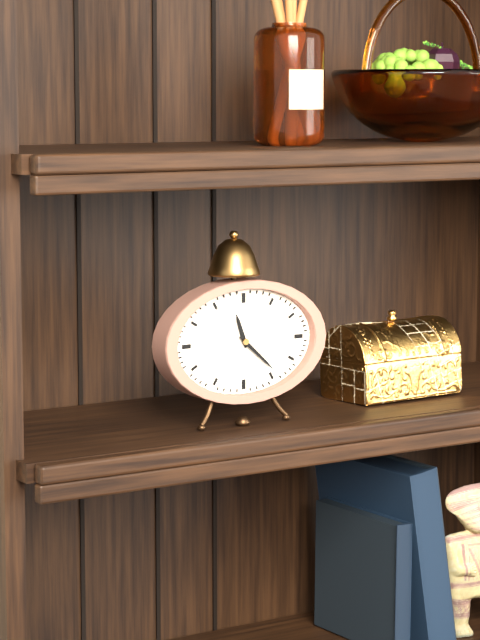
h=11 m=22
